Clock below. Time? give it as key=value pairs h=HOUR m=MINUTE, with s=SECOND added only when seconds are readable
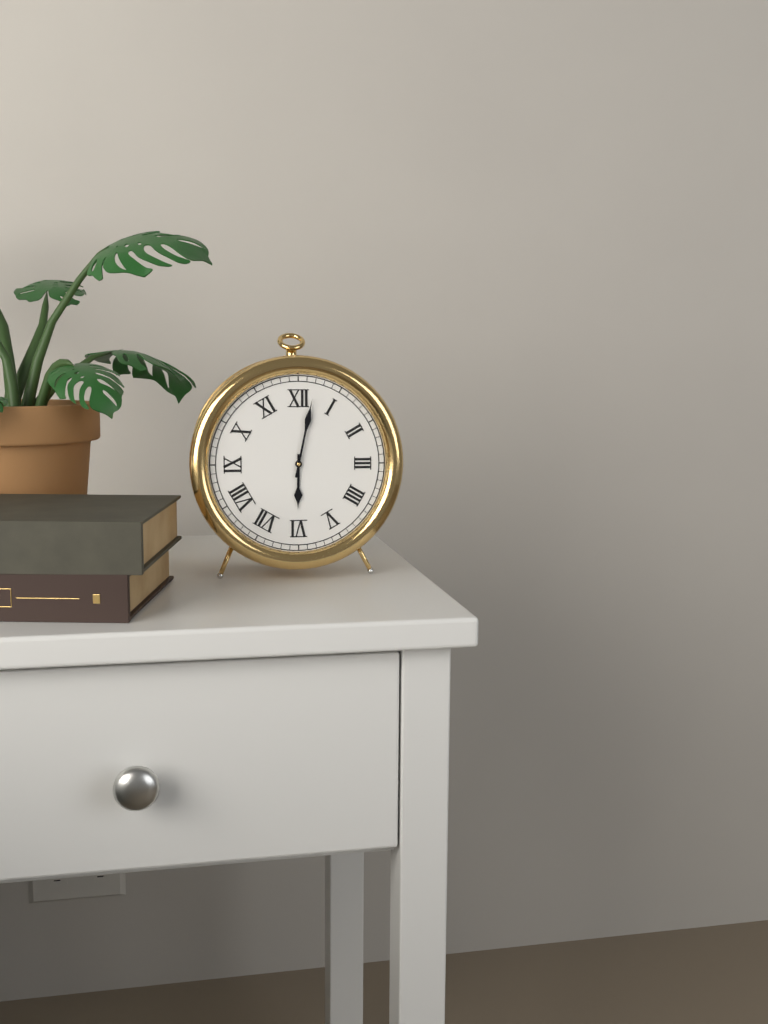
h=6 m=2
